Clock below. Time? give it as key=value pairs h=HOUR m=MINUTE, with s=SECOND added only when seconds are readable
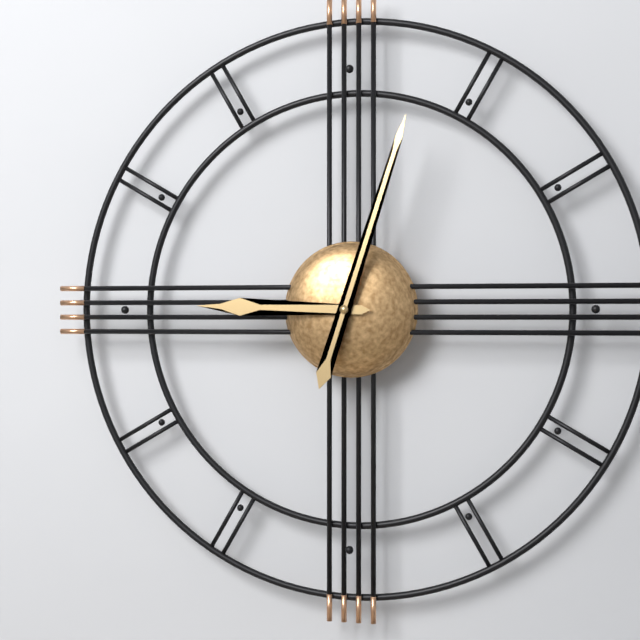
h=9 m=3
